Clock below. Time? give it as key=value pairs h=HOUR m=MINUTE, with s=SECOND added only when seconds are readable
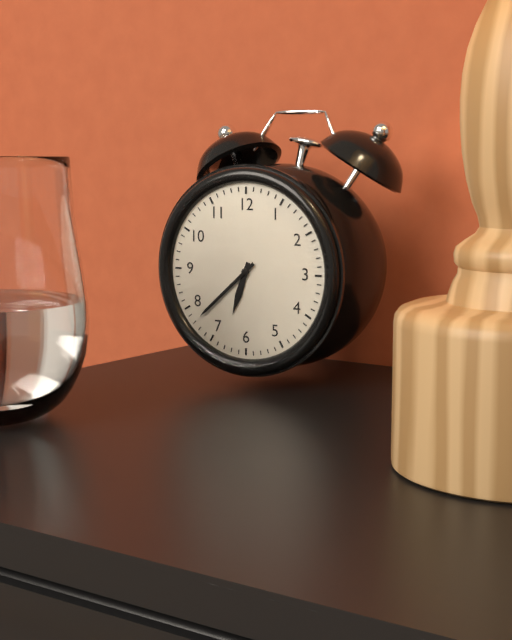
h=6 m=38
